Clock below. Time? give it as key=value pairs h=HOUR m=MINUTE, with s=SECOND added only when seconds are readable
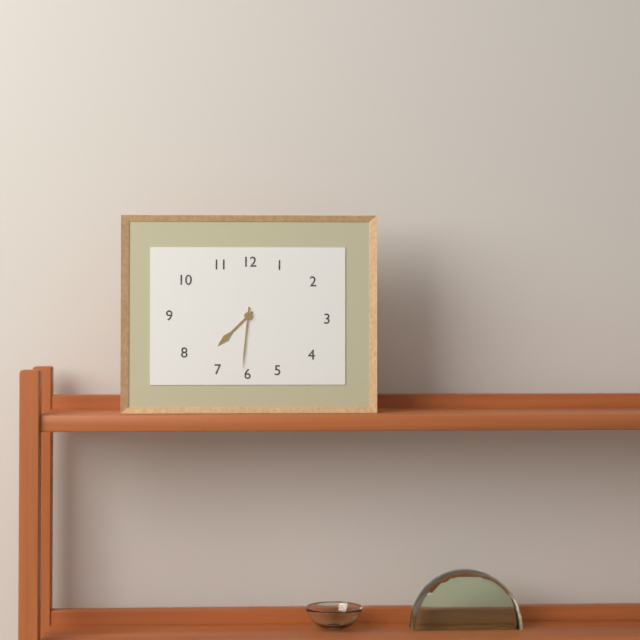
h=7 m=31
